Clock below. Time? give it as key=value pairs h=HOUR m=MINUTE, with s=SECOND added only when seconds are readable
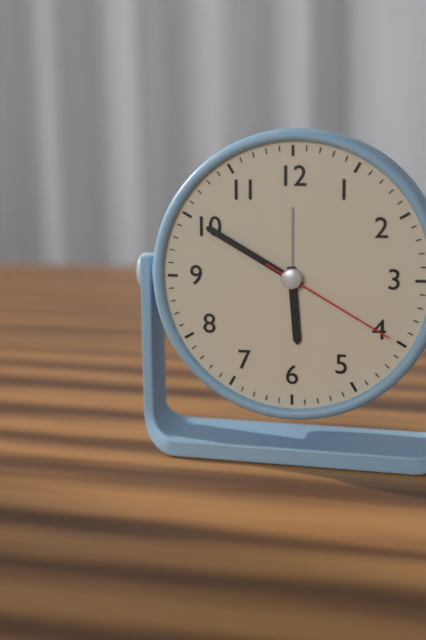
h=5 m=50 s=20
